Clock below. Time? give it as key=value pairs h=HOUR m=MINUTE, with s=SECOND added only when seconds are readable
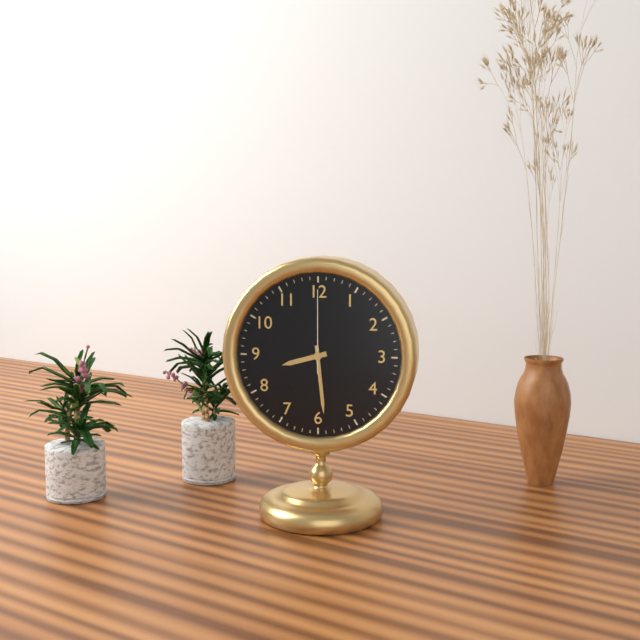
h=8 m=29 s=0
